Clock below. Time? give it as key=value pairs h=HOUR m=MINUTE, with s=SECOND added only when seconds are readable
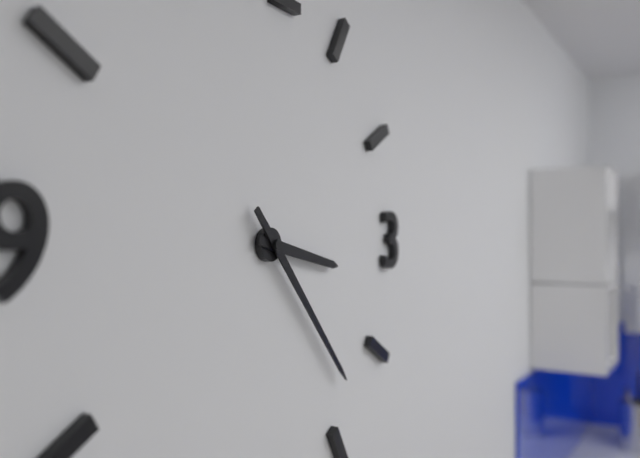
h=3 m=23
